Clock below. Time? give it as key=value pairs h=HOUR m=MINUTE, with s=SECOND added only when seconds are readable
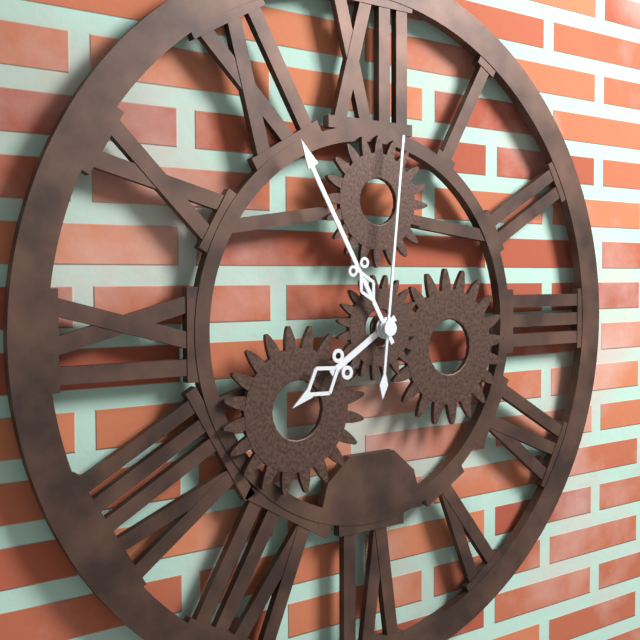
h=7 m=55 s=1
